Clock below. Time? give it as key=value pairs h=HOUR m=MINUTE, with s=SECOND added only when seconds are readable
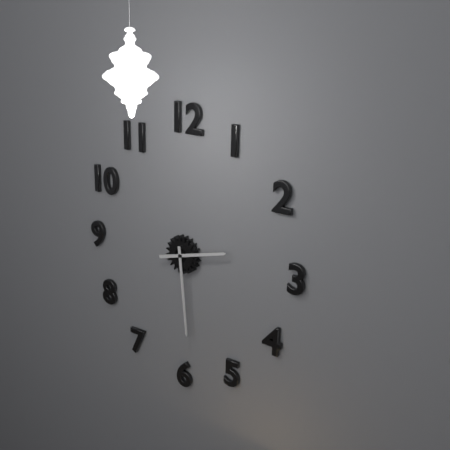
h=2 m=29
